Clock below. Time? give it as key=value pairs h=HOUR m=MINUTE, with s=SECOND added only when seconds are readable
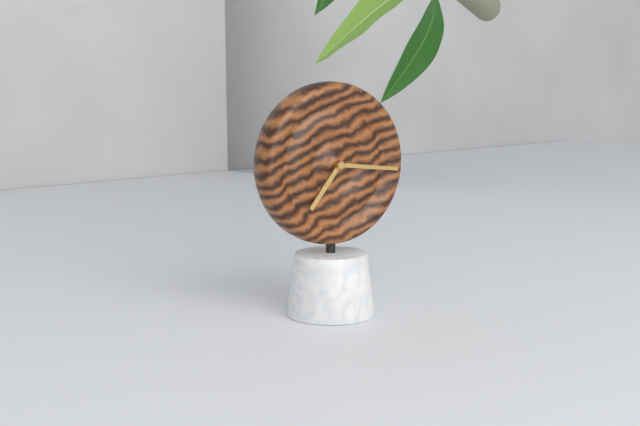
h=7 m=16
